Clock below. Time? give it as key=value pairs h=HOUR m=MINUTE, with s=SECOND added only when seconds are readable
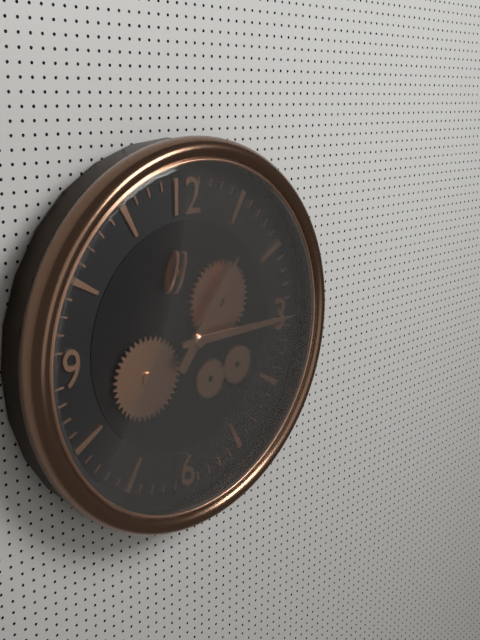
h=1 m=15
